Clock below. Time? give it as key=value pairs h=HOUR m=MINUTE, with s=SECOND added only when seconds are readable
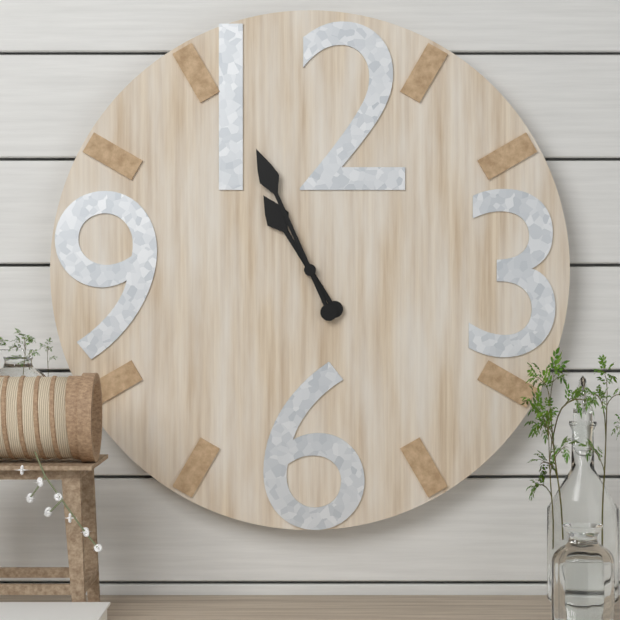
h=10 m=56
